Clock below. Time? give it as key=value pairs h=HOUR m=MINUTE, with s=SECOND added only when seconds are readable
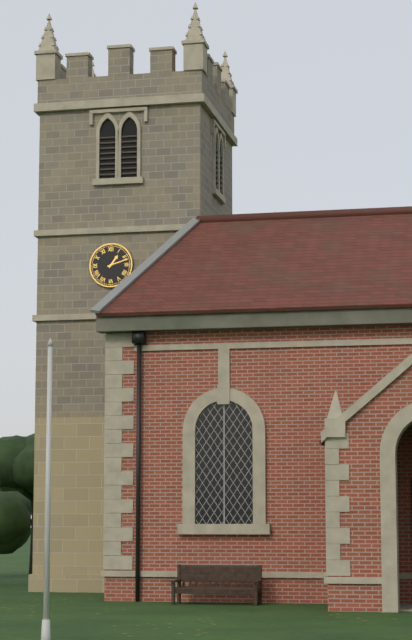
h=1 m=12
